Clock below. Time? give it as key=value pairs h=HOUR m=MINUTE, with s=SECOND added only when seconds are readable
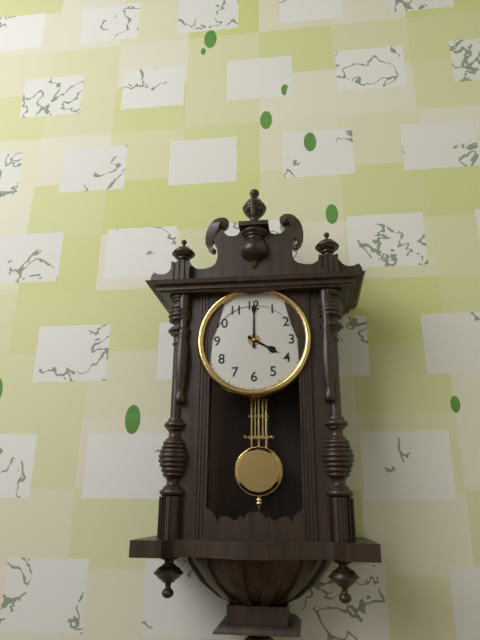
h=4 m=0
